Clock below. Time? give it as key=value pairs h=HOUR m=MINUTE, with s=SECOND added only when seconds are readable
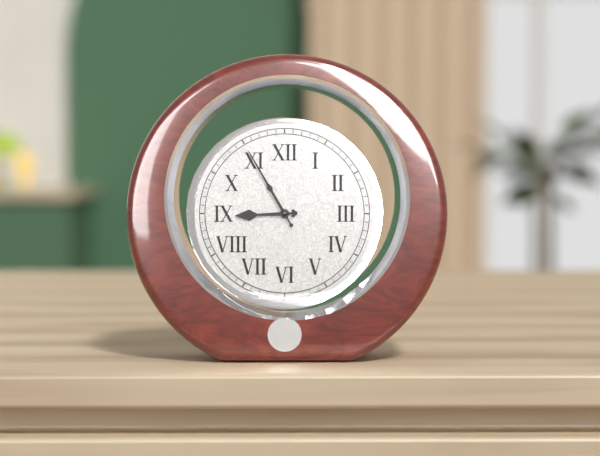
h=8 m=55
